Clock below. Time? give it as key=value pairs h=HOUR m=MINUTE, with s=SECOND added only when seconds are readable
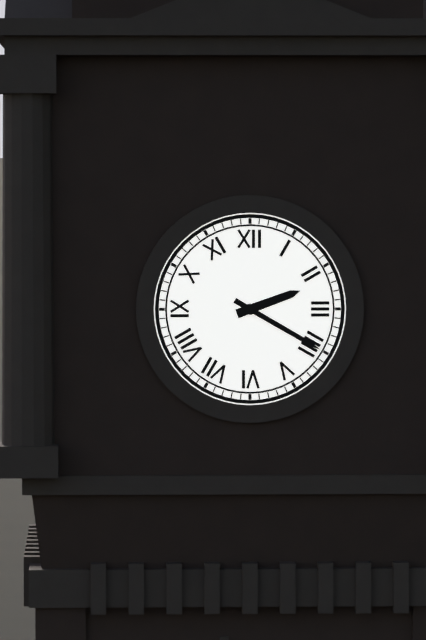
h=2 m=20
